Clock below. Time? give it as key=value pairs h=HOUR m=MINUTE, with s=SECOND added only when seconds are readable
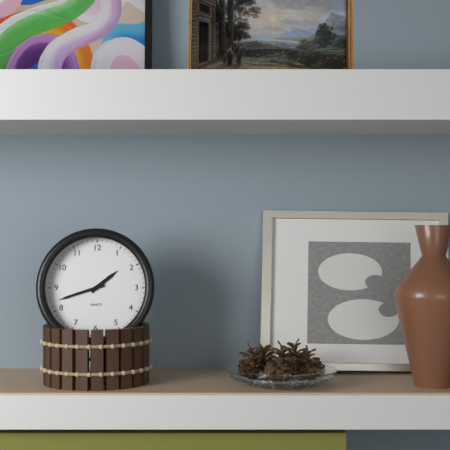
h=1 m=42
